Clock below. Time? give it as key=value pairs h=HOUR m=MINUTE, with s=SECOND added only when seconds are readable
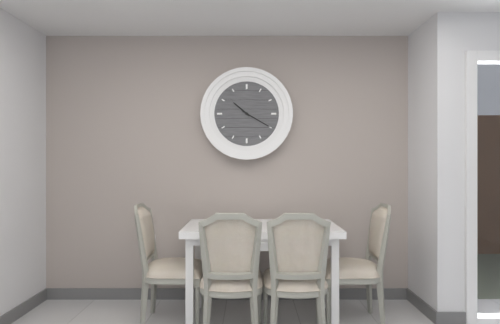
h=10 m=20
